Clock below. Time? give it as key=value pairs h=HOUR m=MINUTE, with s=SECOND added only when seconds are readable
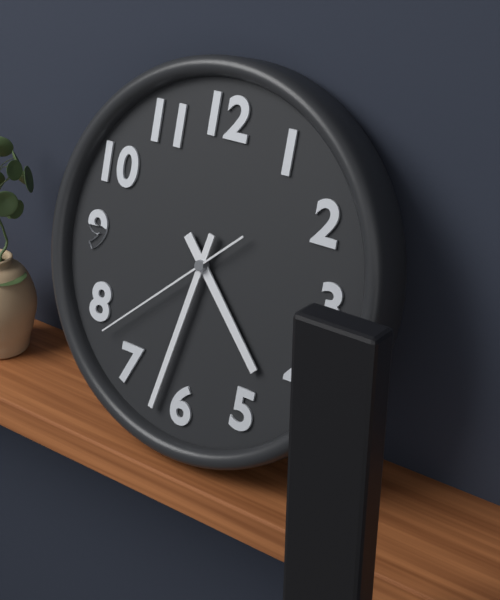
h=4 m=32 s=38
